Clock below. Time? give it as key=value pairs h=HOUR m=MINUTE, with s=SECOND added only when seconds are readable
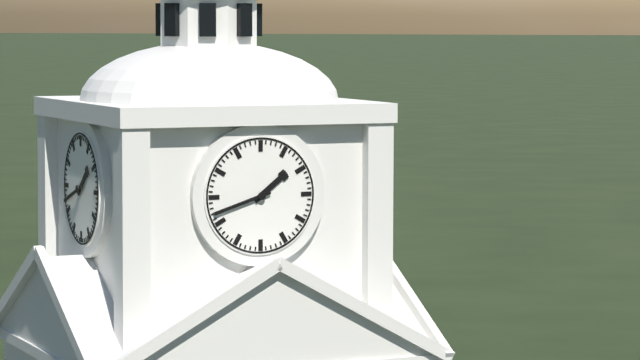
h=1 m=42
